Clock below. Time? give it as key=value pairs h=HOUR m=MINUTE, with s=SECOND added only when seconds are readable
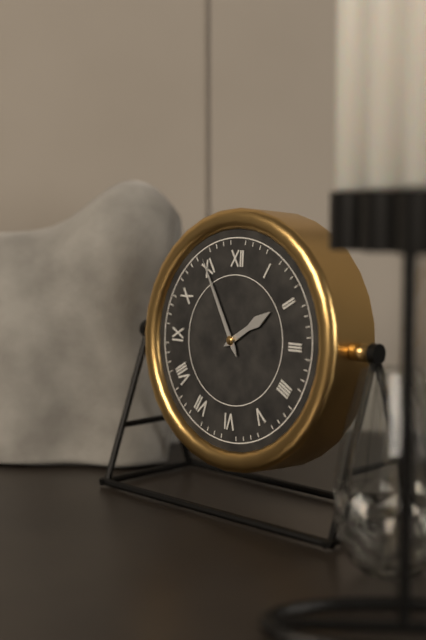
h=1 m=55
